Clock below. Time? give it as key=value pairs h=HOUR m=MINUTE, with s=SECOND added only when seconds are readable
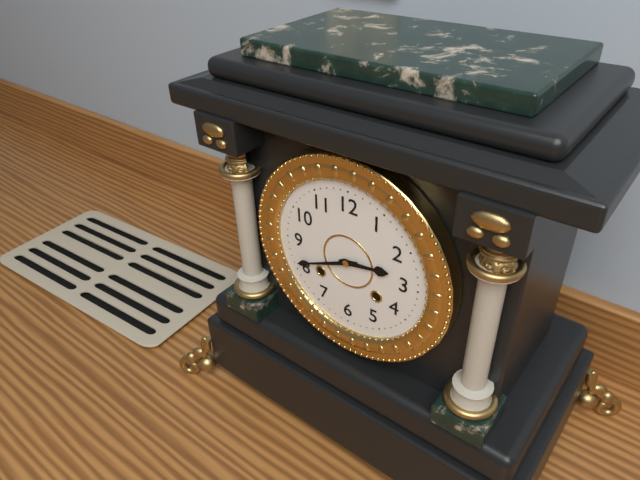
h=2 m=41
